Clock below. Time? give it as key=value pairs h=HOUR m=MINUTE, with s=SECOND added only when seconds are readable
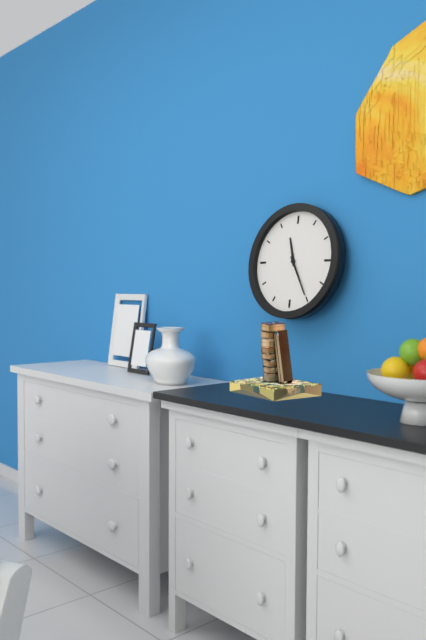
h=11 m=25
